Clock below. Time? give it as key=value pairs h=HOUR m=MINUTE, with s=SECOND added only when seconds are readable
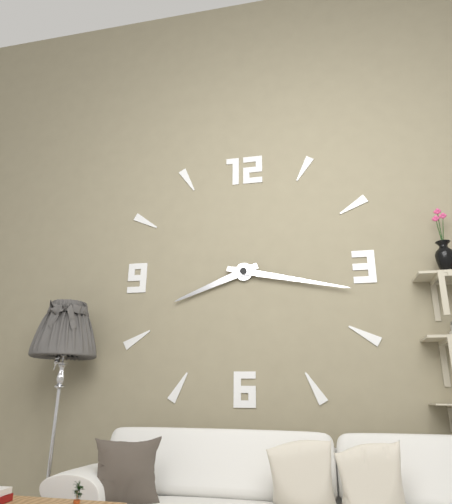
h=8 m=17
